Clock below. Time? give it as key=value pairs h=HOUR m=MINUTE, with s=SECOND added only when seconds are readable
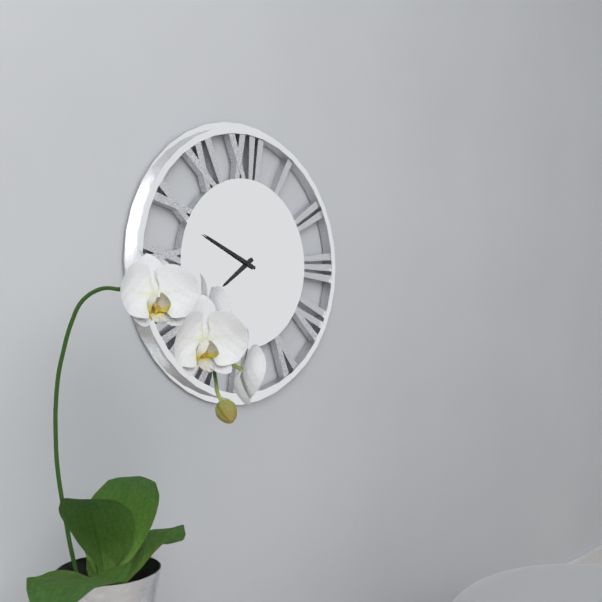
h=7 m=49
